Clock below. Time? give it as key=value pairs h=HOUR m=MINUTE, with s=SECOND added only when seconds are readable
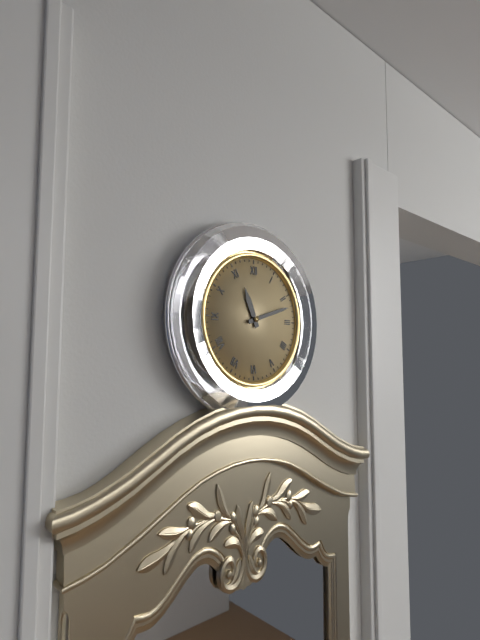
h=11 m=12
